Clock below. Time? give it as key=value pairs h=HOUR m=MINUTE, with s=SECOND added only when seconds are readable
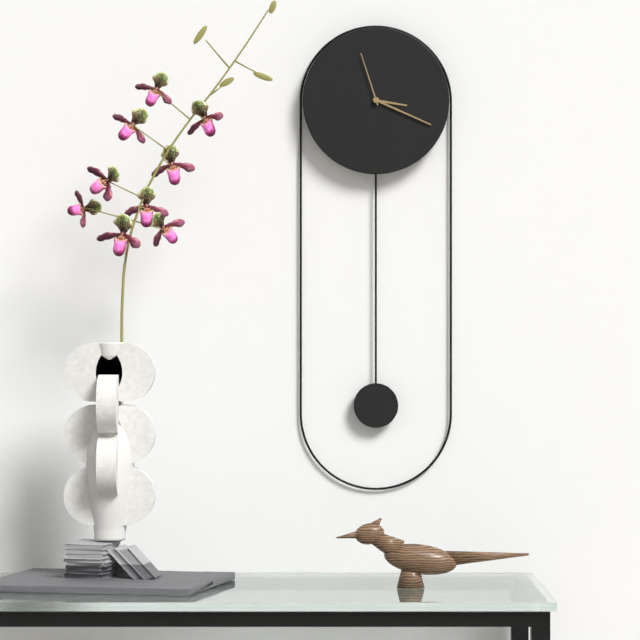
h=3 m=19 s=57
